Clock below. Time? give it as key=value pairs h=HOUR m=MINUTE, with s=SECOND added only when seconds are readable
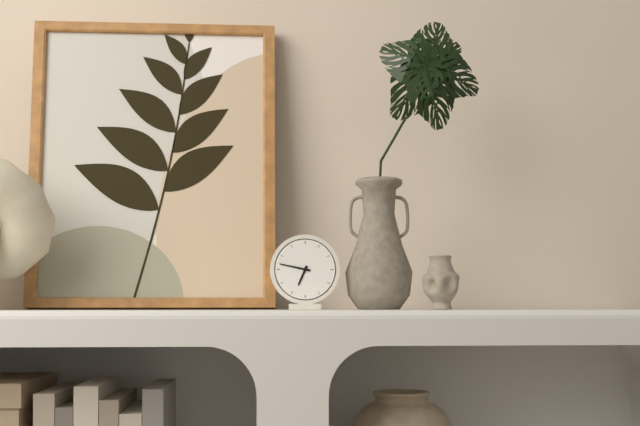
h=6 m=47
